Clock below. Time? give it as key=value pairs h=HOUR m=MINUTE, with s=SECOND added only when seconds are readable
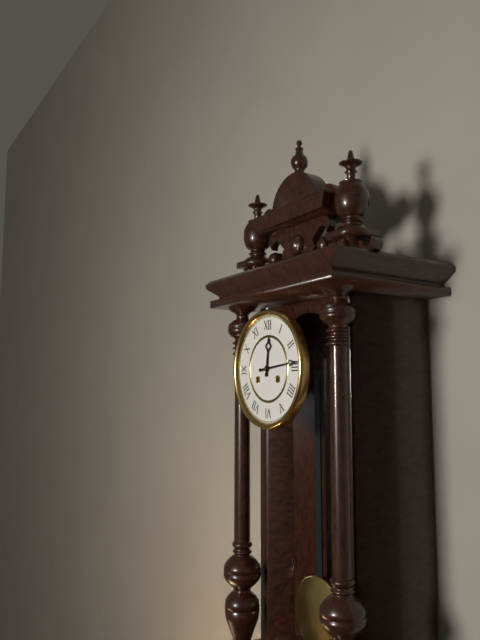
h=12 m=14
